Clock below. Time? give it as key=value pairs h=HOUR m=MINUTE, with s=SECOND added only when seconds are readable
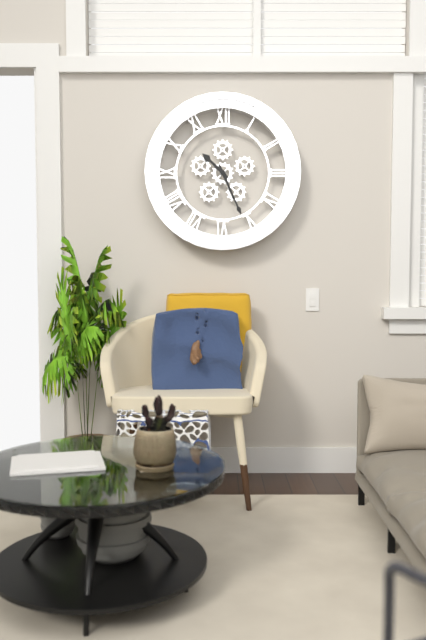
h=10 m=26
